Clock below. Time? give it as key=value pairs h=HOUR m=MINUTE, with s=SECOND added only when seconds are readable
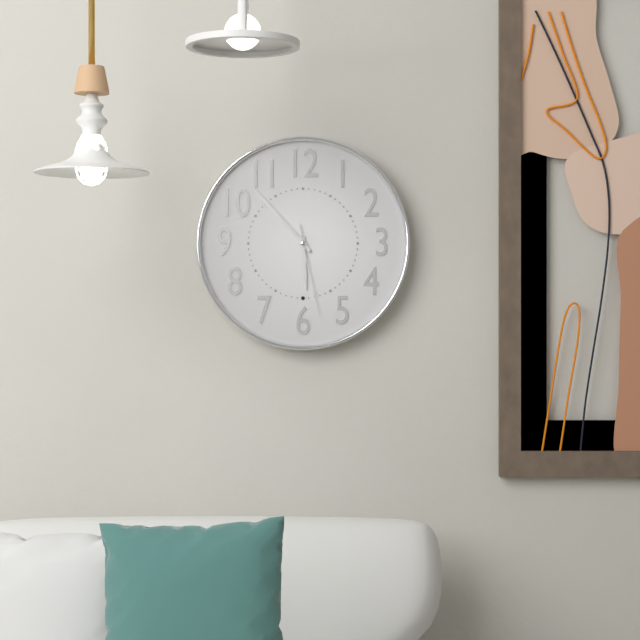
h=5 m=53 s=28
